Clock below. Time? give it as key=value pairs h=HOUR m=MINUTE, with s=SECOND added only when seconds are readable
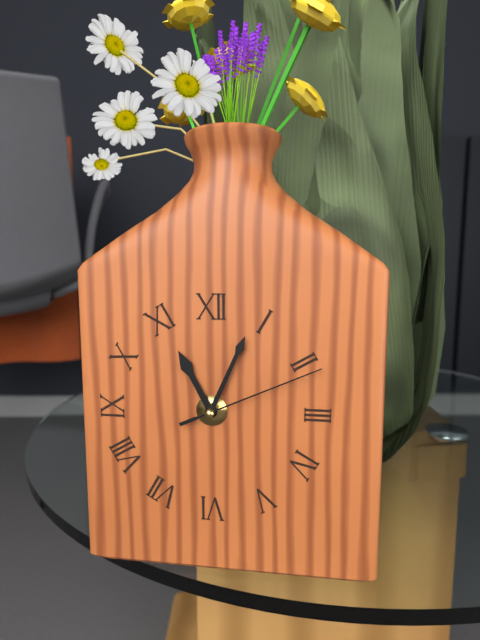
h=11 m=4 s=11
